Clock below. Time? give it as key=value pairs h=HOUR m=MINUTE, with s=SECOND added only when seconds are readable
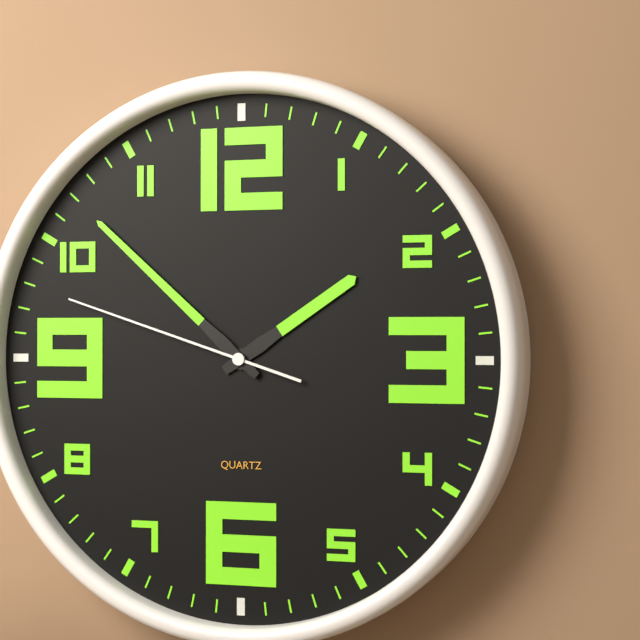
h=1 m=52 s=48
